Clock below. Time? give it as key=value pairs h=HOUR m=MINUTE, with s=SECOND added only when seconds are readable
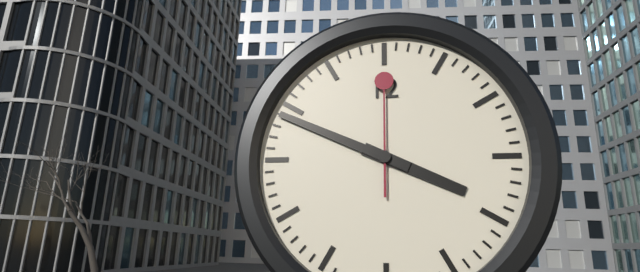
h=3 m=49 s=0
